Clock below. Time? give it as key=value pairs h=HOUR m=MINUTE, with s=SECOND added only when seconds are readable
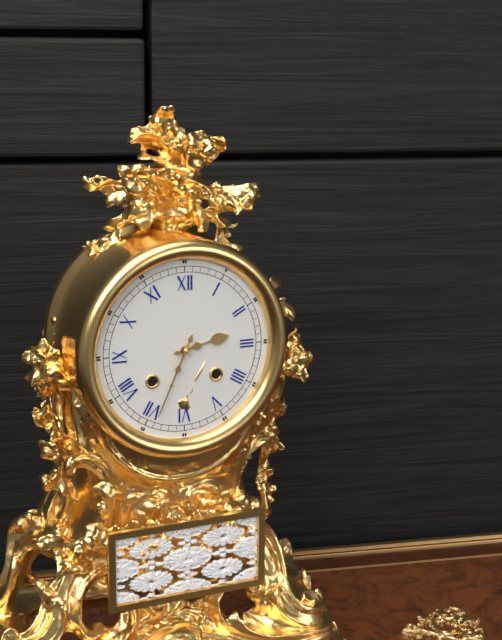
h=2 m=34
